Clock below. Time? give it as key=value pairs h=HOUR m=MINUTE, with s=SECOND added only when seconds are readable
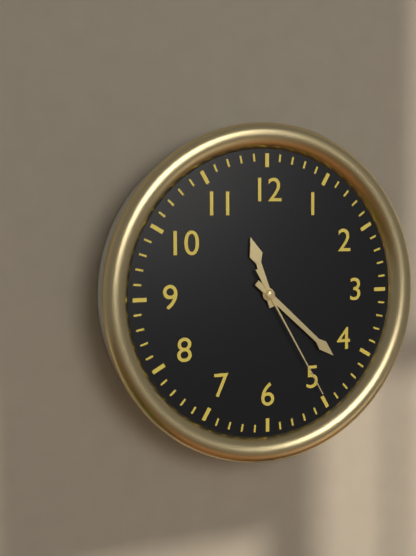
h=11 m=22 s=25
